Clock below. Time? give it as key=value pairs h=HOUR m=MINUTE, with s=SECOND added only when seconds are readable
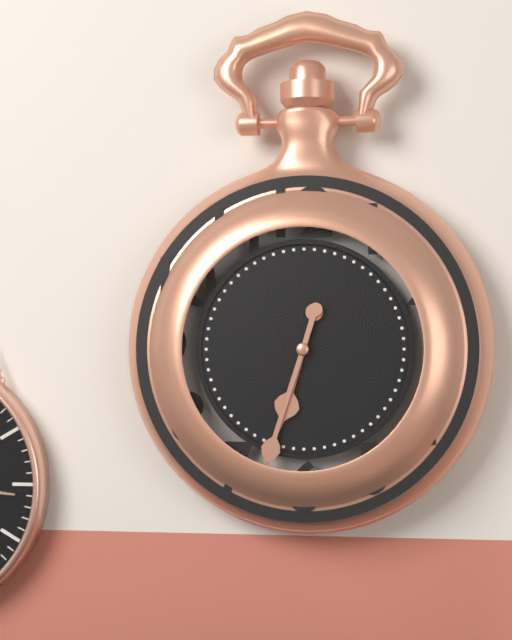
h=6 m=33
